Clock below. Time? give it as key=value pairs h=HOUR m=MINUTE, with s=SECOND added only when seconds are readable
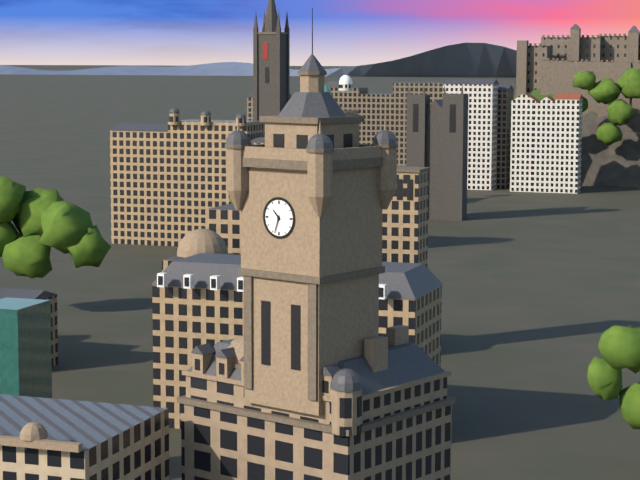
h=10 m=33
